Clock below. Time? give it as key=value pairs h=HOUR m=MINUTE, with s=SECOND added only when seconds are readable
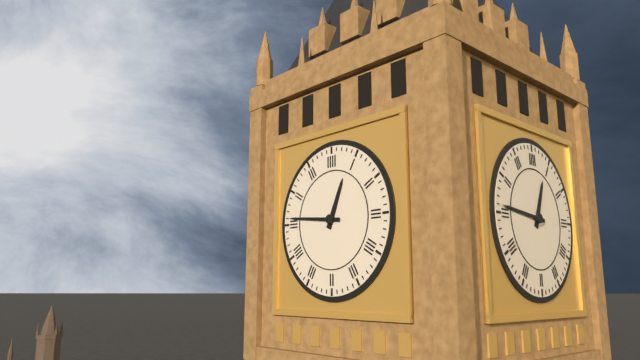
h=12 m=46
